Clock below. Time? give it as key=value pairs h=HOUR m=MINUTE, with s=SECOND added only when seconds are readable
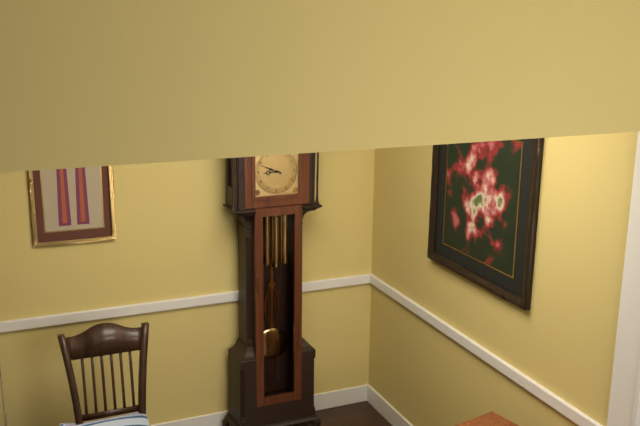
h=8 m=49
